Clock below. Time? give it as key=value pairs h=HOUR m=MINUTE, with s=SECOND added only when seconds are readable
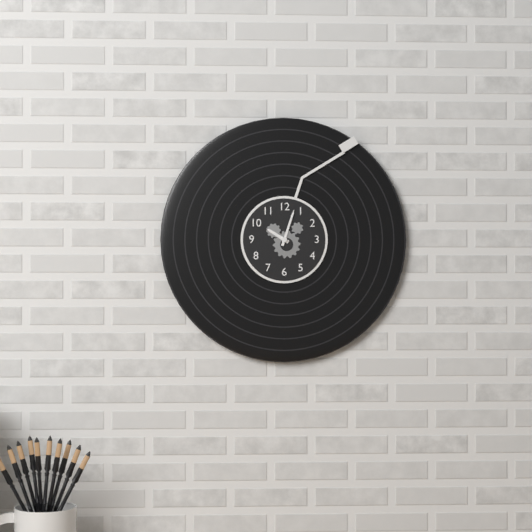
h=10 m=3
